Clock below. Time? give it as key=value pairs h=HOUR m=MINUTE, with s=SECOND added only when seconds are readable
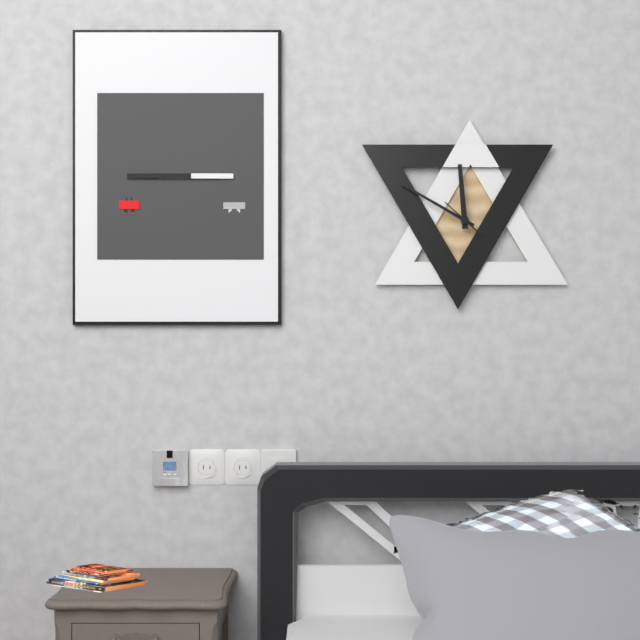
h=11 m=50
